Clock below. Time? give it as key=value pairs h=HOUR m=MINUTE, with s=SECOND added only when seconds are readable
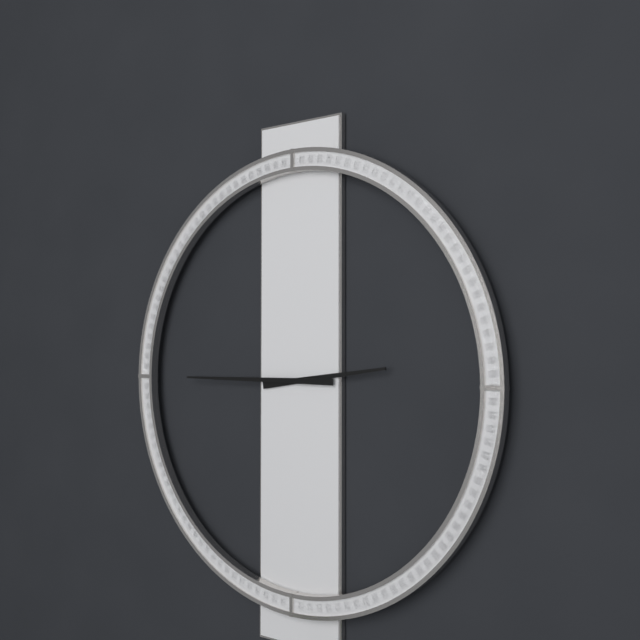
h=2 m=45
